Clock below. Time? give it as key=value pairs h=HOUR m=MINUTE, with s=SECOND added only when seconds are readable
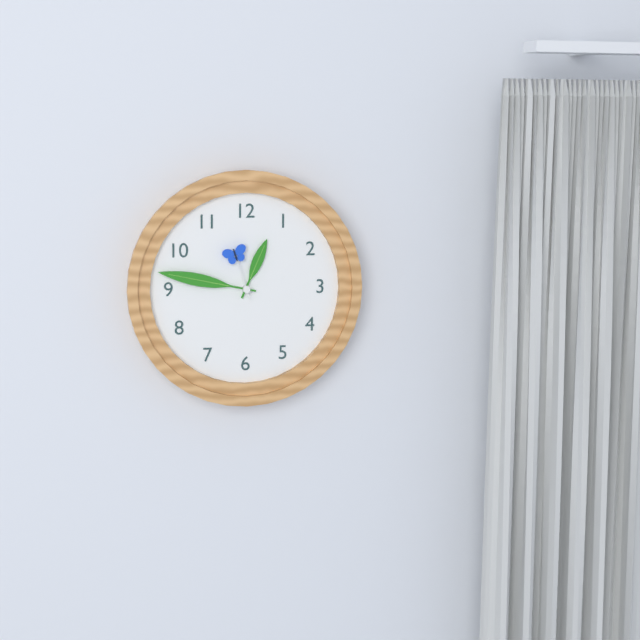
h=12 m=47 s=57
